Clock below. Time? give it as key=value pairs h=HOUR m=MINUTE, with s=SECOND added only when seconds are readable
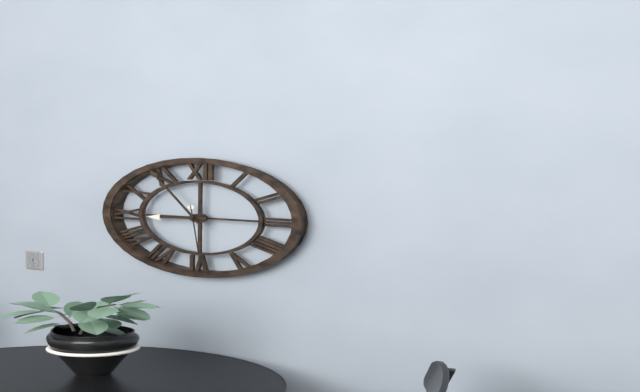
h=8 m=55 s=29
